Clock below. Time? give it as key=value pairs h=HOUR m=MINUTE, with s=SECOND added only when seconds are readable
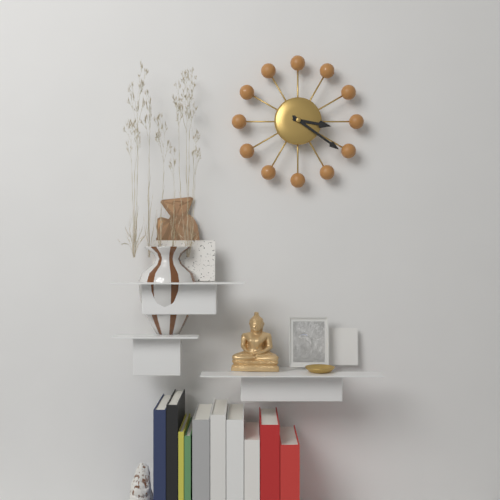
h=3 m=21
